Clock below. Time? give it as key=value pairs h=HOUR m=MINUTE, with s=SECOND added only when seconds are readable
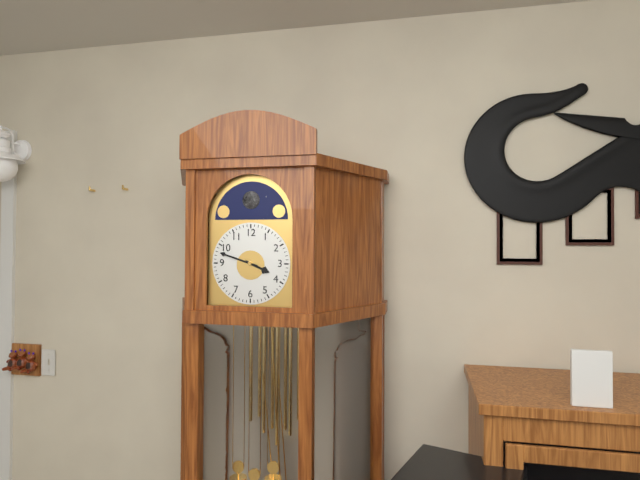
h=3 m=48
